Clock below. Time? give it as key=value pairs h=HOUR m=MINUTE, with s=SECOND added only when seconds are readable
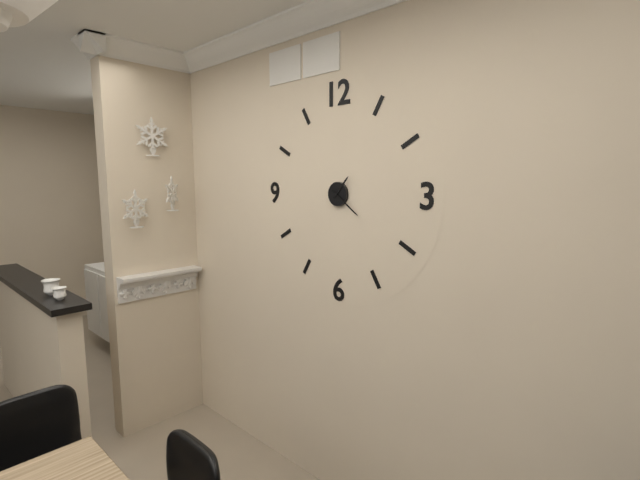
h=1 m=21
